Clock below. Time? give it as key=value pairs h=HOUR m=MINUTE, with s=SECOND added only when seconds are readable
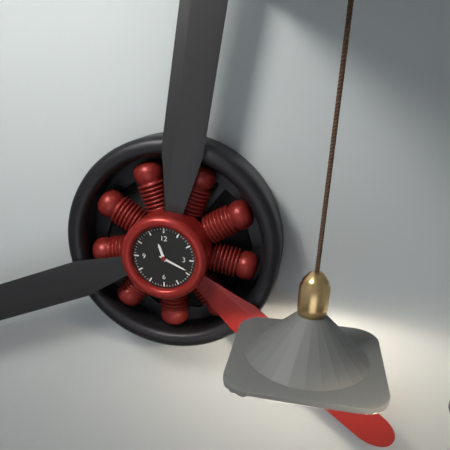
h=11 m=19
